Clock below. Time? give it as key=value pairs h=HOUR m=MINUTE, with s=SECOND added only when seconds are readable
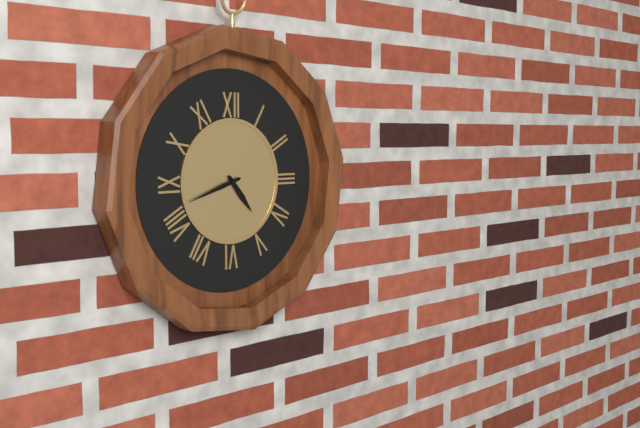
h=4 m=42
